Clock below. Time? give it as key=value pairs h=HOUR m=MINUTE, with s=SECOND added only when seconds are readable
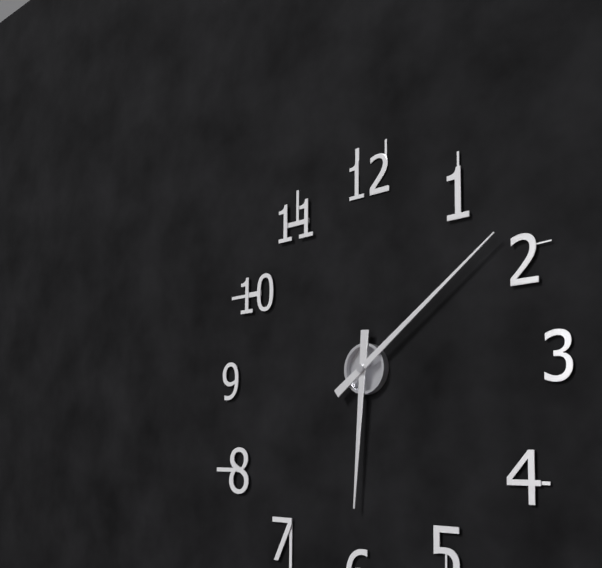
h=6 m=9
